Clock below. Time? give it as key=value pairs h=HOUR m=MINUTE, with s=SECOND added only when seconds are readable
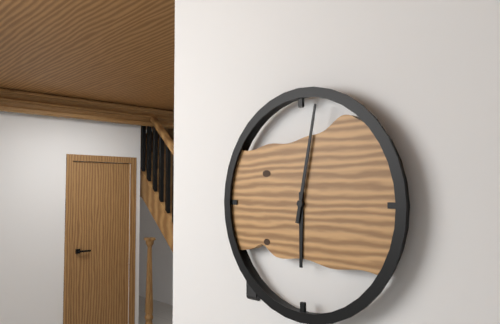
h=6 m=2
